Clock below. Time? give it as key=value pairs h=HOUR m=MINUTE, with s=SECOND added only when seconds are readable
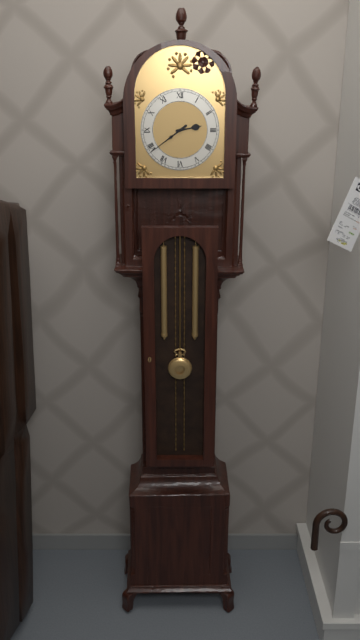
h=2 m=39
